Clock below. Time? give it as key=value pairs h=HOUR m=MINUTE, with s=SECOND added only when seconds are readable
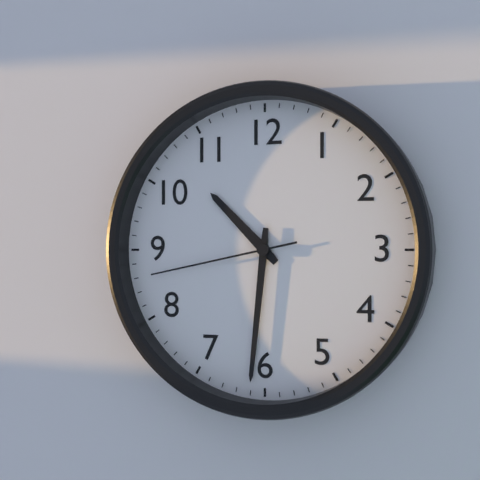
h=10 m=31 s=43
